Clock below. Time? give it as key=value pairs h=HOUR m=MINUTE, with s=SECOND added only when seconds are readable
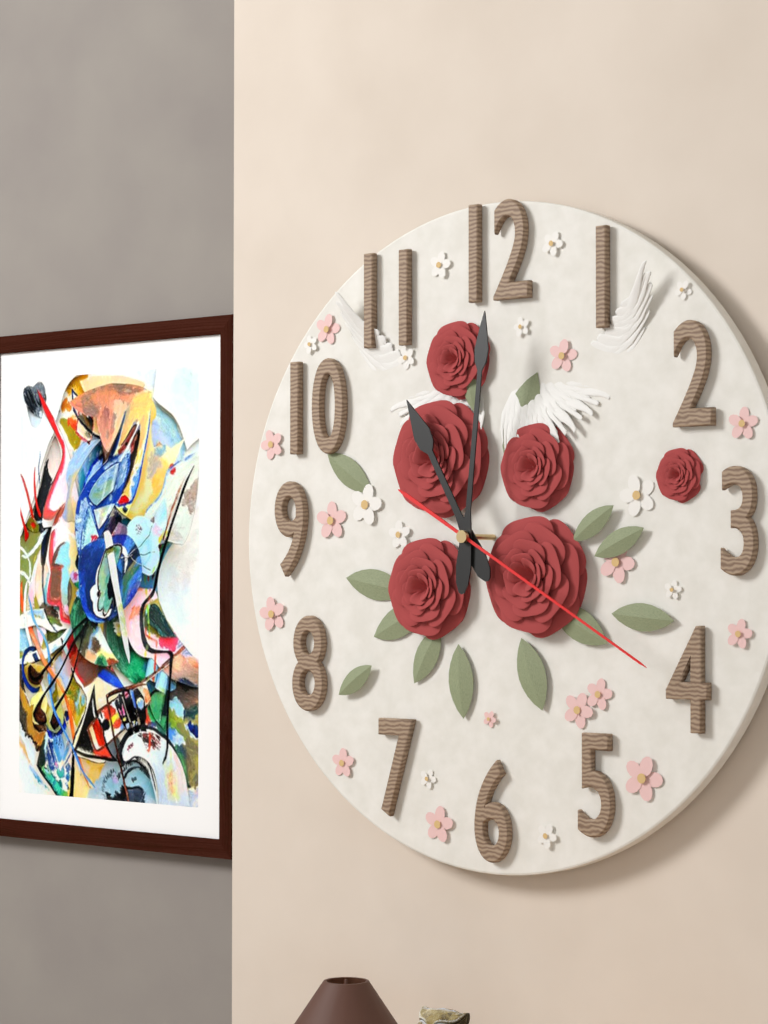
h=11 m=1 s=20
